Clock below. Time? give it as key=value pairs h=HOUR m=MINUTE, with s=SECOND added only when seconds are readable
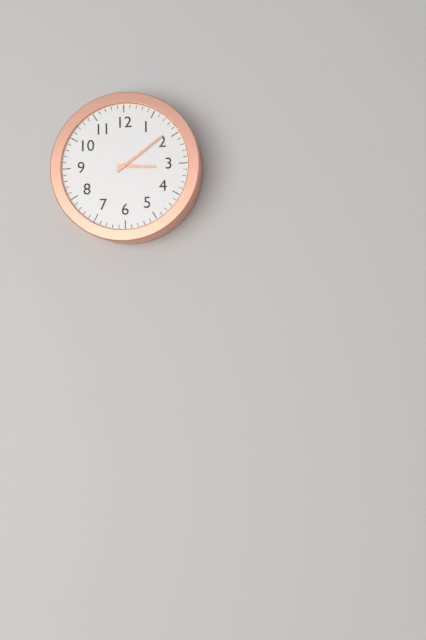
h=3 m=9
